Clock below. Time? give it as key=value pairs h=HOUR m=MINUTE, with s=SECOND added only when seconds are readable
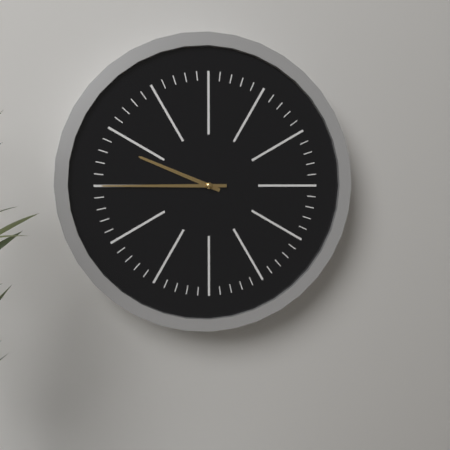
h=9 m=45
